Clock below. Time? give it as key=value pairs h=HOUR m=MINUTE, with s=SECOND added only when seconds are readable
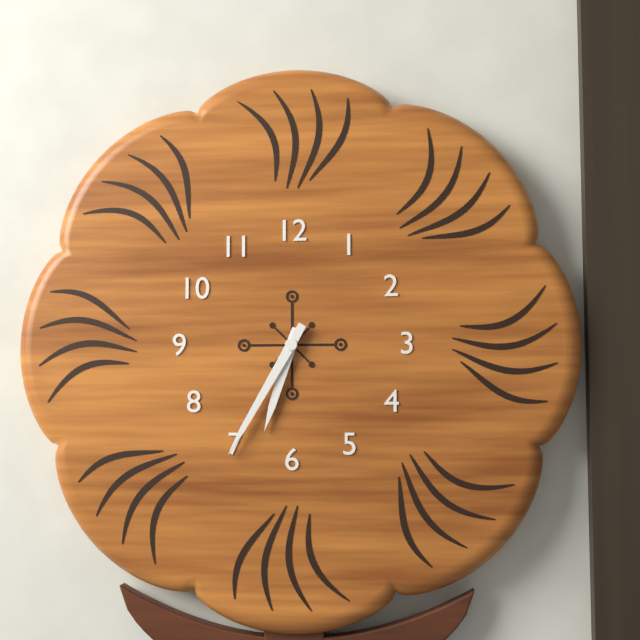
h=6 m=35
